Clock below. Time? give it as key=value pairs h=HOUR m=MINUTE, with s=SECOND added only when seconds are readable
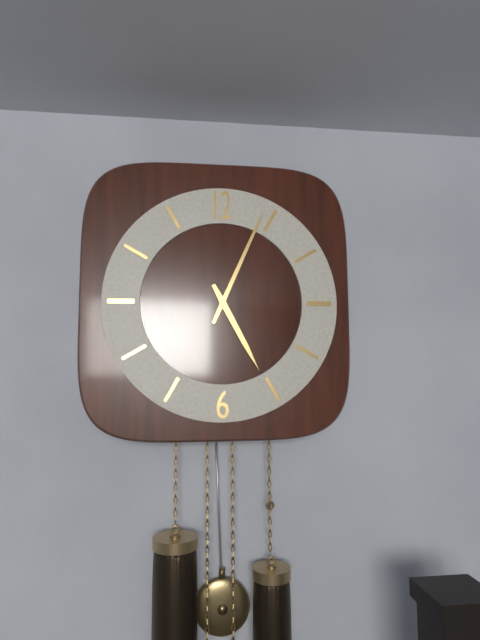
h=5 m=4
